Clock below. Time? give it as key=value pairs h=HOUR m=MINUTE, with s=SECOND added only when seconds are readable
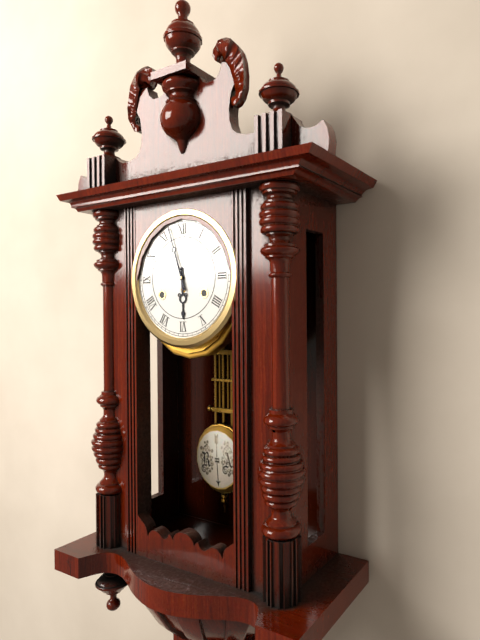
h=5 m=57
